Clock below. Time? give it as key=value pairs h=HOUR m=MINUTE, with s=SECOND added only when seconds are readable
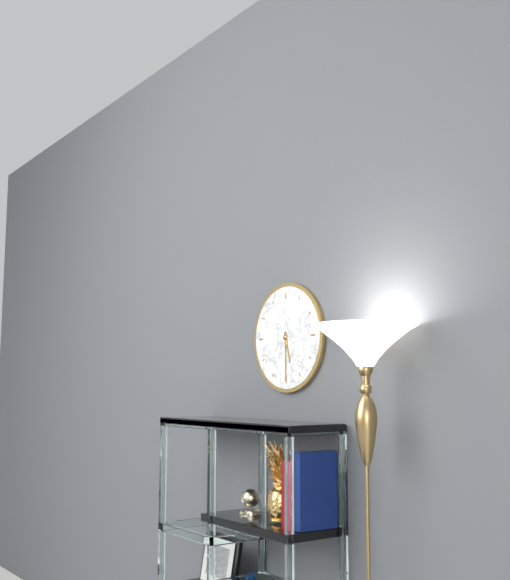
h=5 m=30
